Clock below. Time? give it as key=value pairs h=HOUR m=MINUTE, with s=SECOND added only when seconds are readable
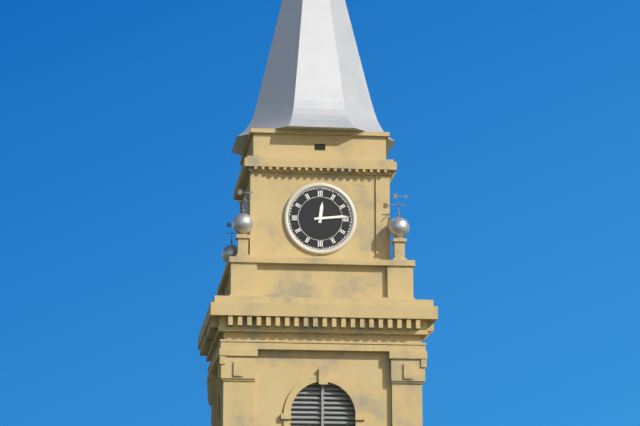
h=12 m=14
